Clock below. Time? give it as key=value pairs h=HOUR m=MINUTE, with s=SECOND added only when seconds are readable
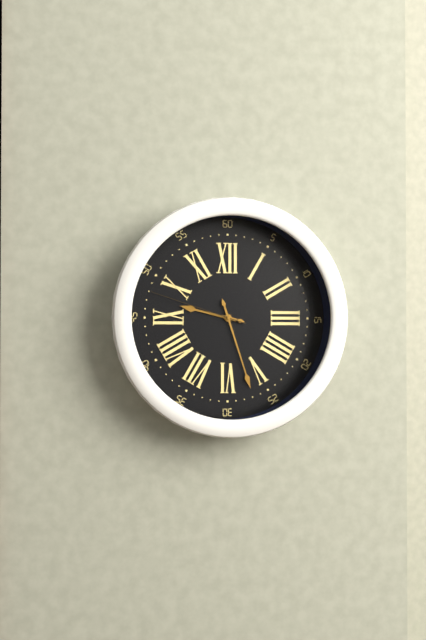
h=9 m=27 s=48
